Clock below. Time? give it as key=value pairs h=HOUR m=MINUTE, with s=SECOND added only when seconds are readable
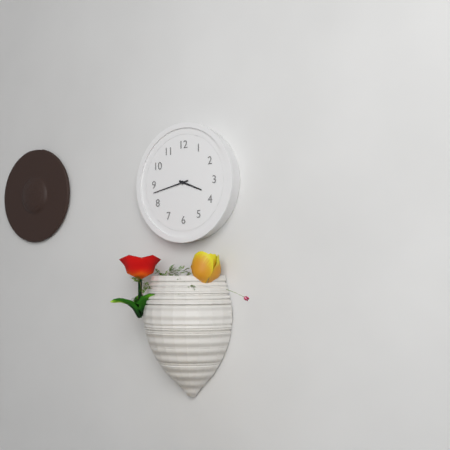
h=3 m=43
